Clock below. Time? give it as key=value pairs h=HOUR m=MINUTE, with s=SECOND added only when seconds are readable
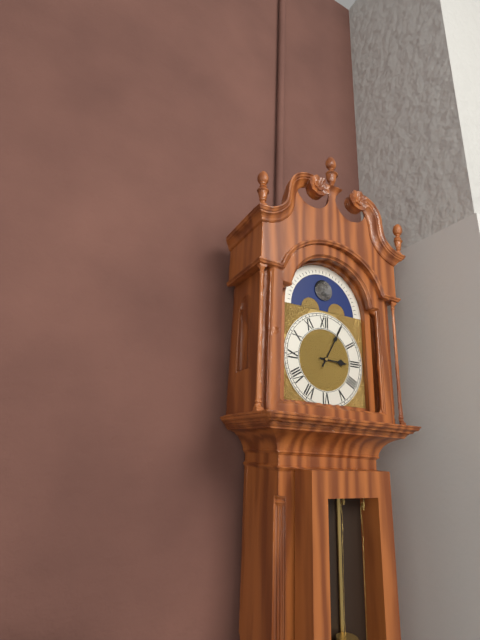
h=3 m=5
